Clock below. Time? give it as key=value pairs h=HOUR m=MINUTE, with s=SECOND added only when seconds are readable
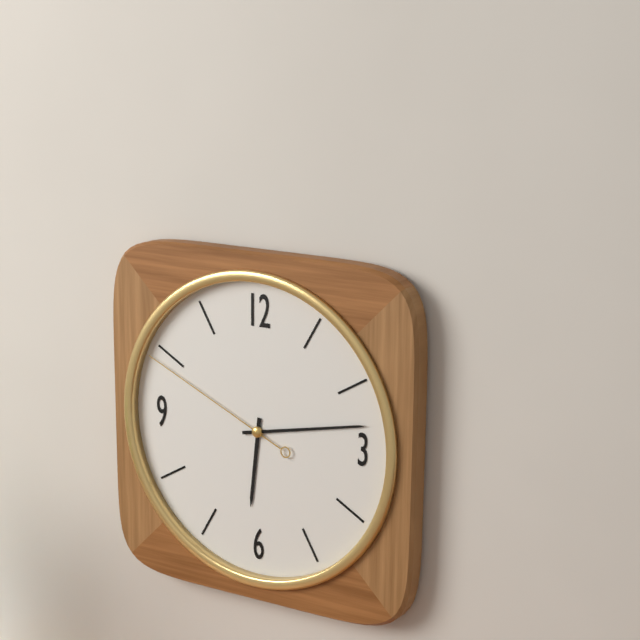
h=6 m=13 s=49
